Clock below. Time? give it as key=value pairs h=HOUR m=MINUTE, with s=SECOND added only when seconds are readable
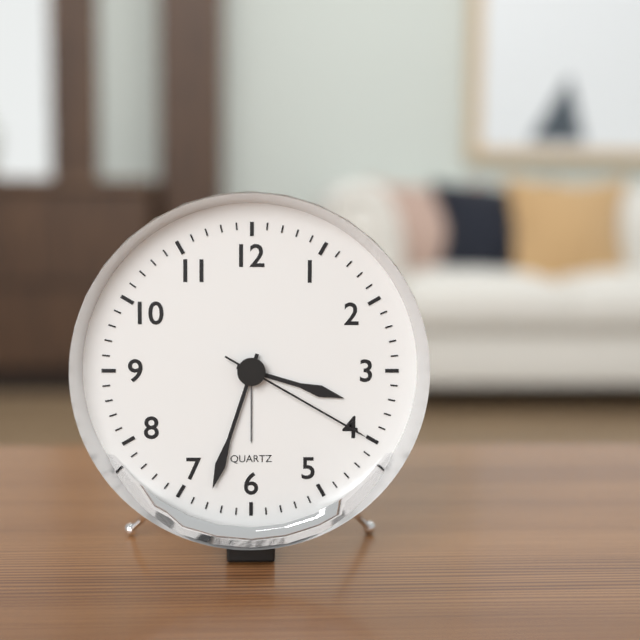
h=3 m=33 s=20
